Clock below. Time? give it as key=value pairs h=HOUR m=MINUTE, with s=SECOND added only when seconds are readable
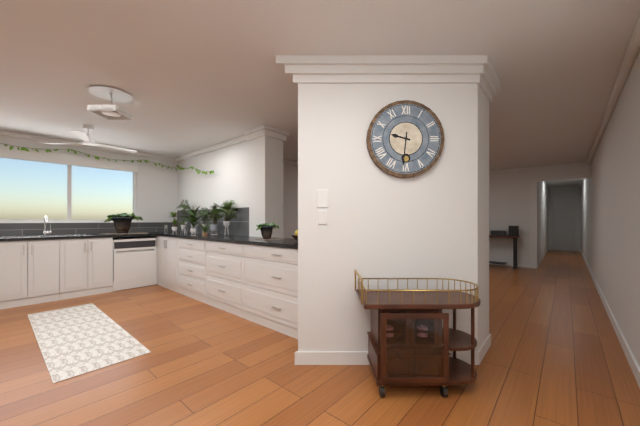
h=9 m=31
